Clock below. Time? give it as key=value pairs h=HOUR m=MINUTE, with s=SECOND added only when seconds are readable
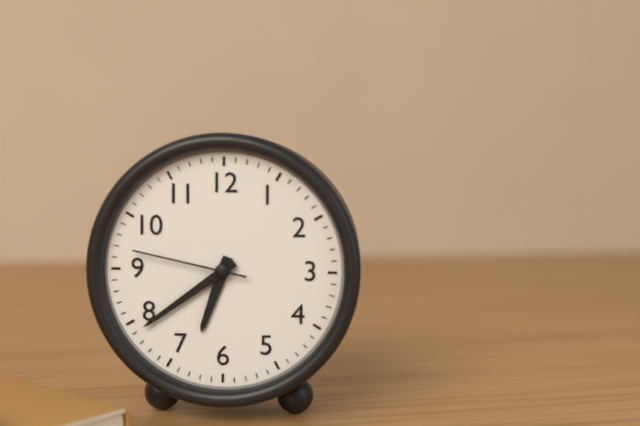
h=6 m=39 s=47
